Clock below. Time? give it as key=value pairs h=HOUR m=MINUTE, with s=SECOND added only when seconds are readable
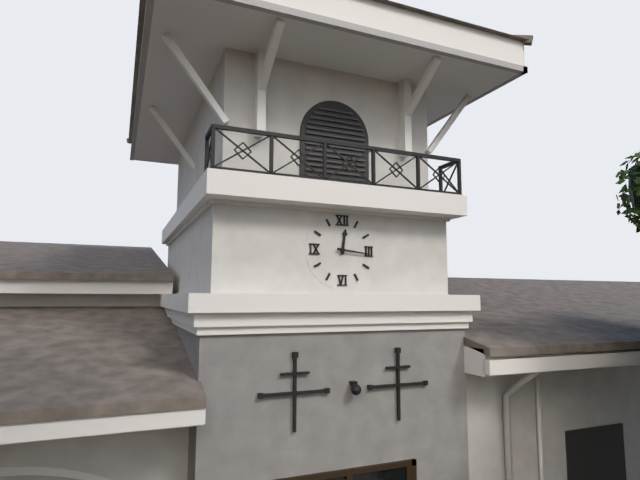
h=12 m=16
